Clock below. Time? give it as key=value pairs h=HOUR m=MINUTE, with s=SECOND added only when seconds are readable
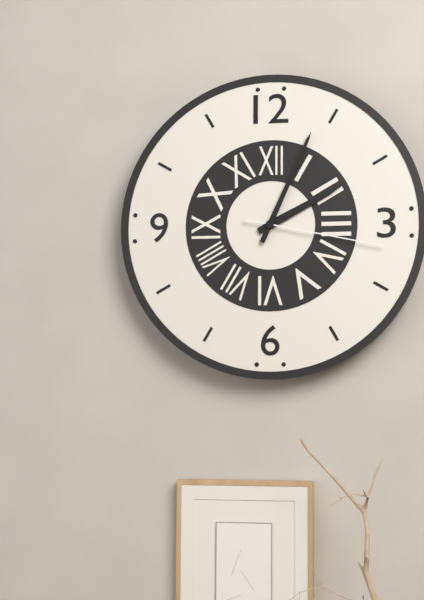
h=2 m=4 s=17
